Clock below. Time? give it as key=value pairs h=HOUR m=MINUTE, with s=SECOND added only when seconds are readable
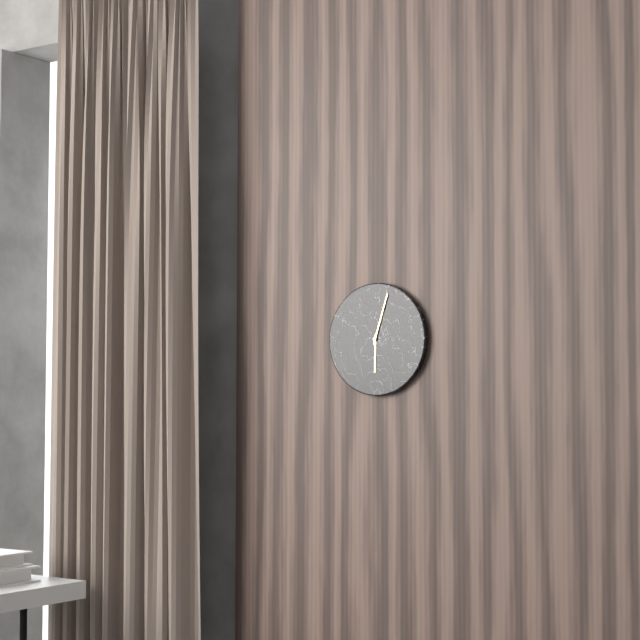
h=6 m=3
